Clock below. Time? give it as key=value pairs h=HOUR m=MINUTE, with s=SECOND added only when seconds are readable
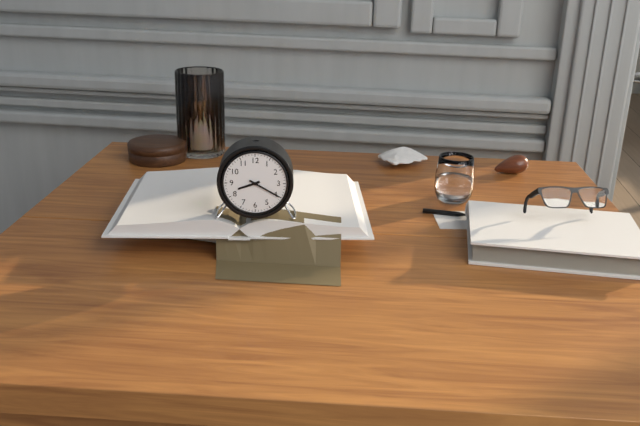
h=8 m=20
